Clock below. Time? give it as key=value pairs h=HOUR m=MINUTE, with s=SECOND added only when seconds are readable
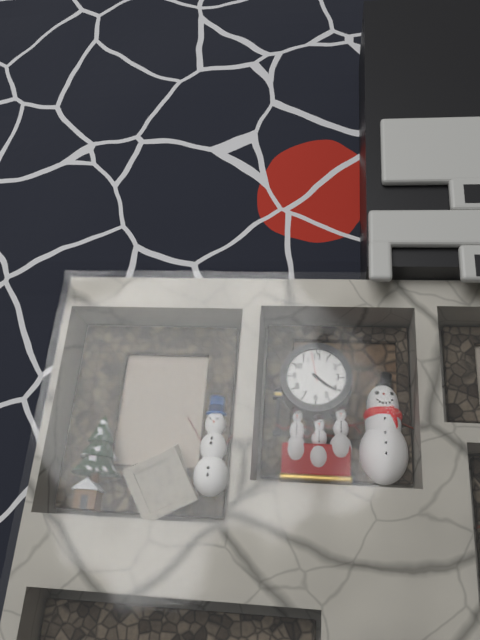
h=4 m=21
